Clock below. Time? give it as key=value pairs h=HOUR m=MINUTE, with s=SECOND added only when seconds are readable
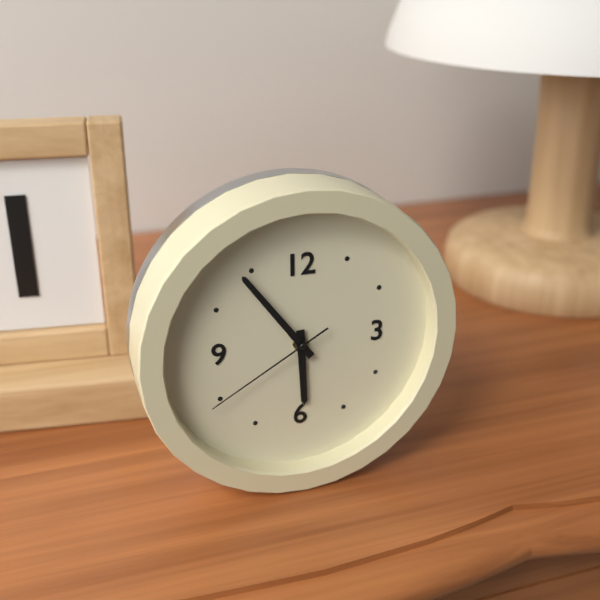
h=5 m=54 s=40
